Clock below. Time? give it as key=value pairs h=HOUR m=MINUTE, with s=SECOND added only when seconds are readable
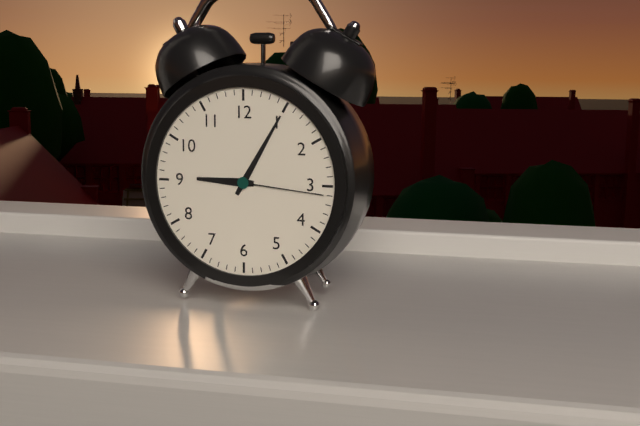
h=9 m=5 s=16
